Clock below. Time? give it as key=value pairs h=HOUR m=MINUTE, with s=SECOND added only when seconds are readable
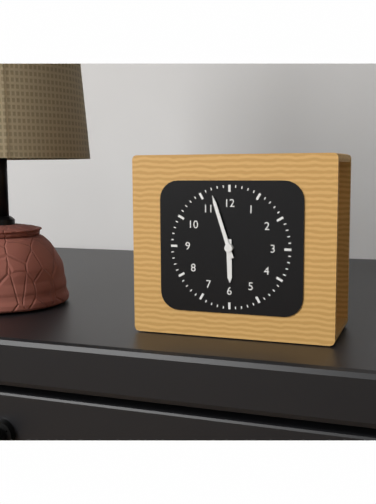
h=5 m=57
